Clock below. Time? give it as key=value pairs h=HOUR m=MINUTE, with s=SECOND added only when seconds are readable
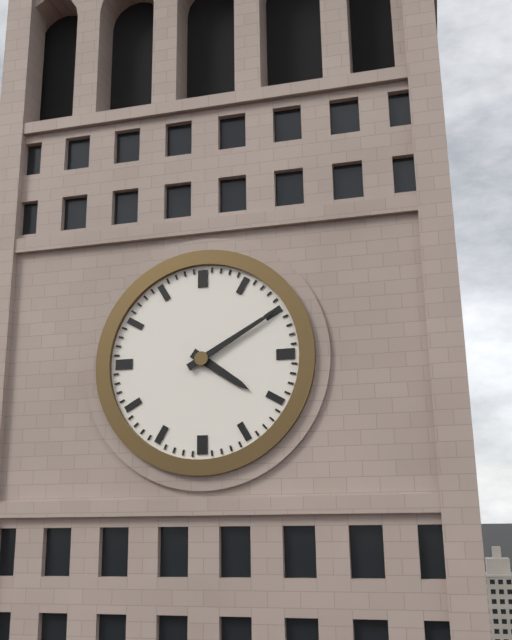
h=4 m=10
